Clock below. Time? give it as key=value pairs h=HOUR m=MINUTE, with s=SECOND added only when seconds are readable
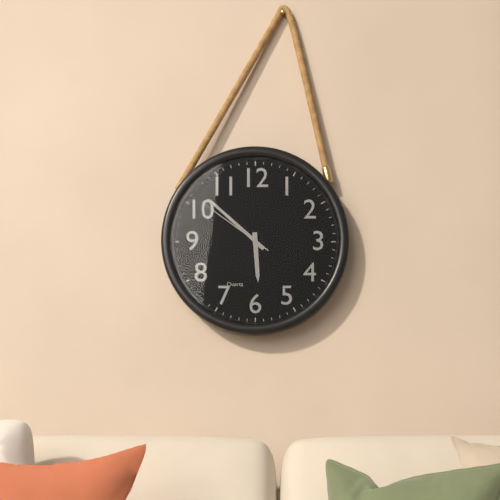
h=5 m=52 s=51
